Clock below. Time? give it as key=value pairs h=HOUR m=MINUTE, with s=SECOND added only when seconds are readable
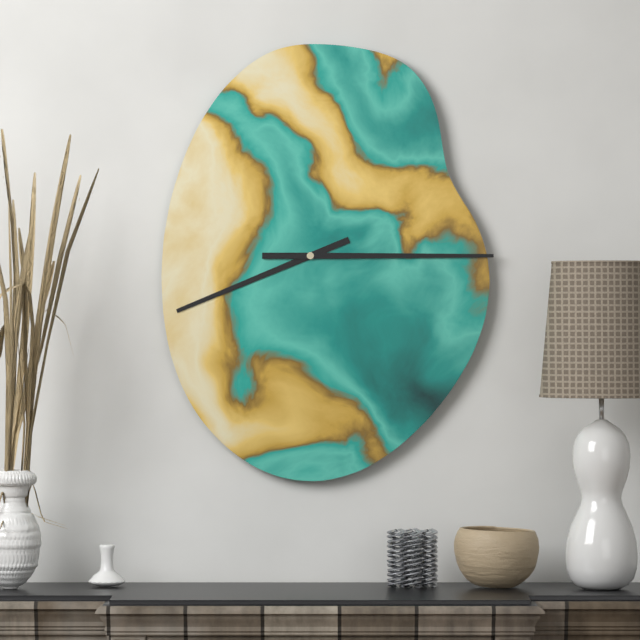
h=8 m=15
